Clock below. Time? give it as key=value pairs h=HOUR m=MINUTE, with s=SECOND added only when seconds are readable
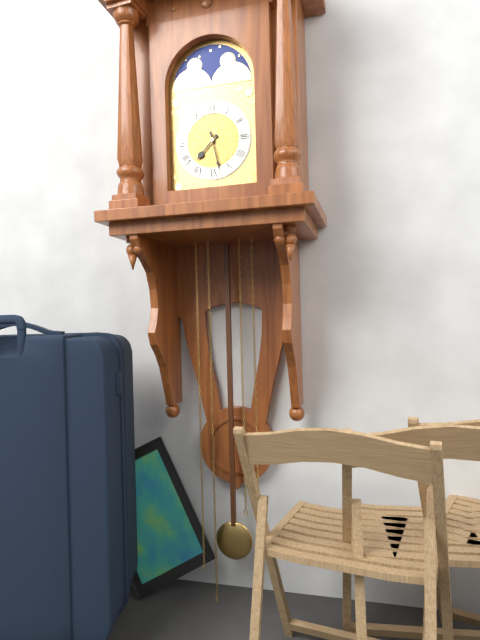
h=7 m=28
